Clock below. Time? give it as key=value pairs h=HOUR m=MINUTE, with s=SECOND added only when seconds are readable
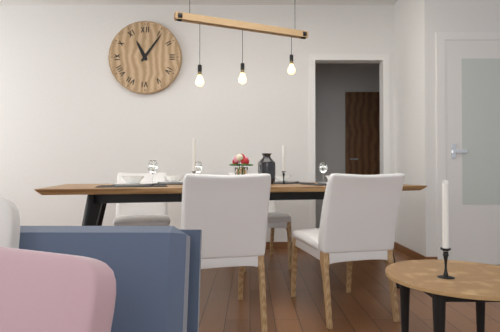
h=11 m=6
